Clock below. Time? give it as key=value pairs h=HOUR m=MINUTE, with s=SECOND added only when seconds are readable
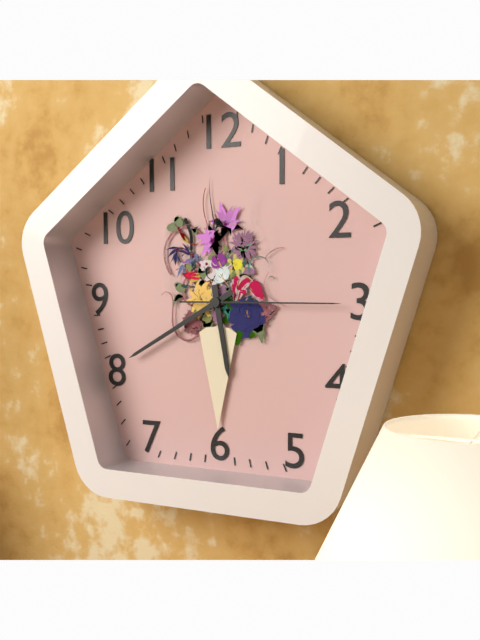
h=5 m=40 s=15
